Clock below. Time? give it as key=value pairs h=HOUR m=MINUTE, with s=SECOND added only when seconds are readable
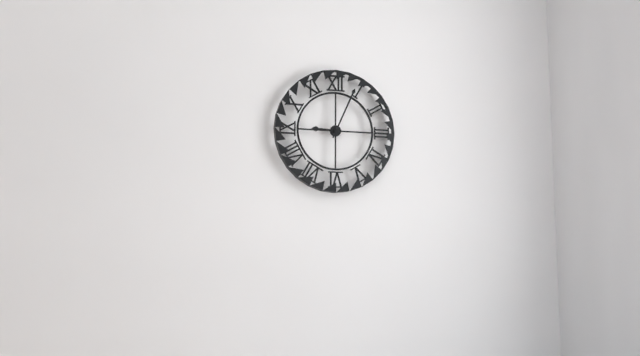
h=9 m=4
